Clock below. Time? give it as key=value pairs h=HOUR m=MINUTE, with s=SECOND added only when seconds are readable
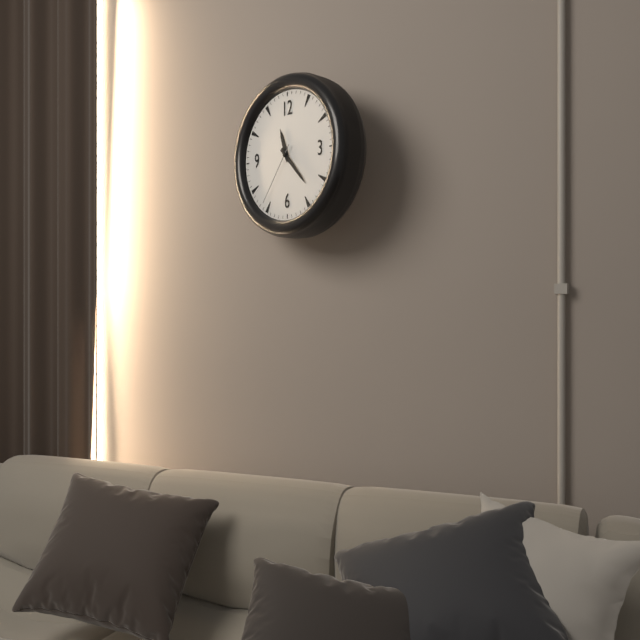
h=11 m=23 s=36
